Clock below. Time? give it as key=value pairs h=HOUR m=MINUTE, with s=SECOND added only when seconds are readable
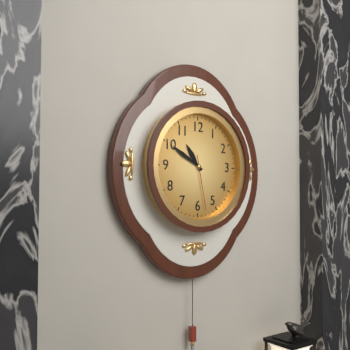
h=10 m=50 s=28
